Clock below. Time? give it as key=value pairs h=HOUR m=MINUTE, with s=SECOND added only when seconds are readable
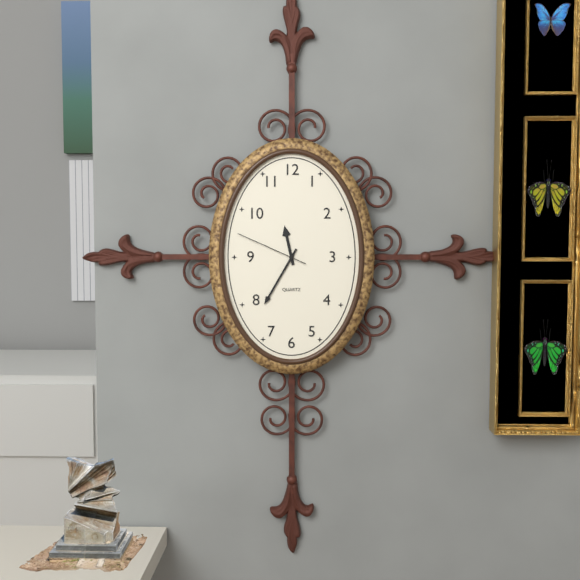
h=11 m=35 s=49
